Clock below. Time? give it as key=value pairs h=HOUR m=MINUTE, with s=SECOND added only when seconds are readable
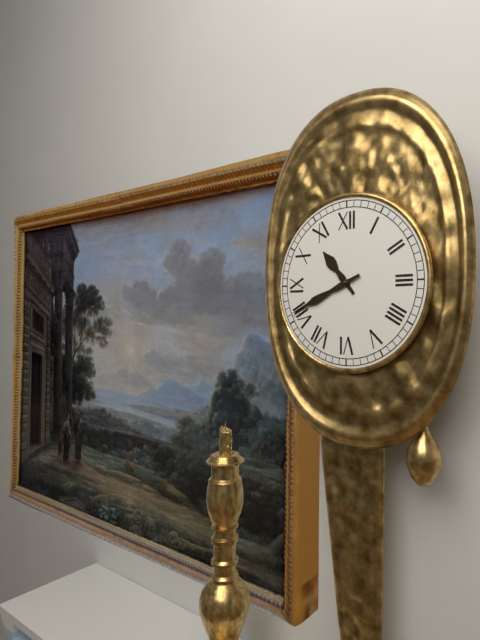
h=10 m=41
